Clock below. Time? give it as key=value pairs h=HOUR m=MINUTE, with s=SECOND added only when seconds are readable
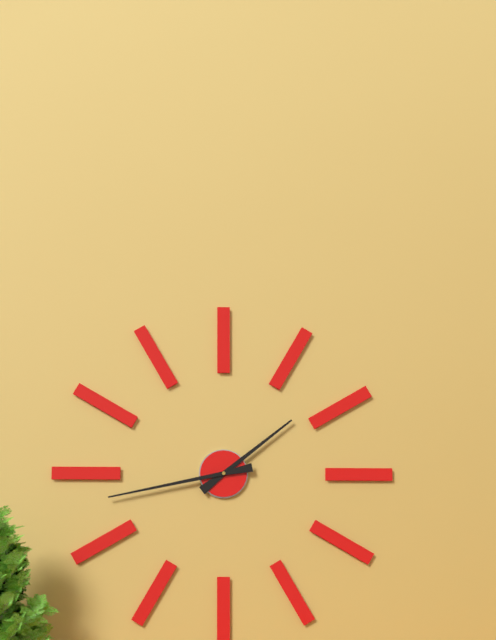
h=1 m=43
